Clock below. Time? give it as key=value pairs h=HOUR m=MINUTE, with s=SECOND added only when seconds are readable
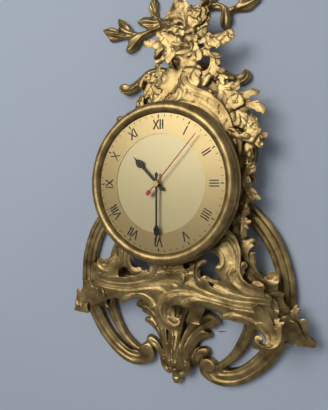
h=10 m=30 s=7
